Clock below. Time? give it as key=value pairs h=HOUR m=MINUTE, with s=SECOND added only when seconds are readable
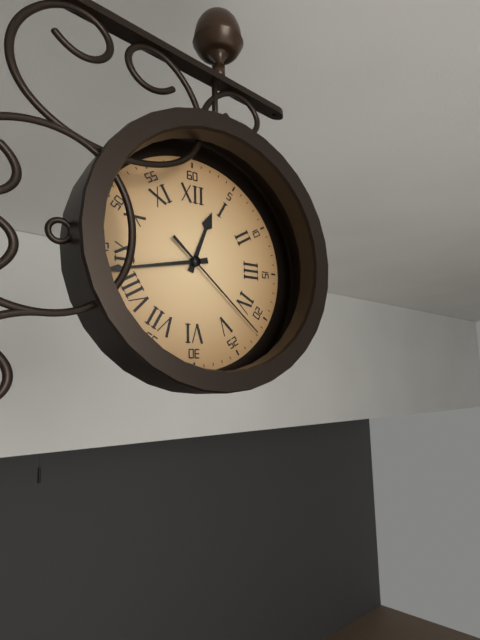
h=12 m=43 s=22
